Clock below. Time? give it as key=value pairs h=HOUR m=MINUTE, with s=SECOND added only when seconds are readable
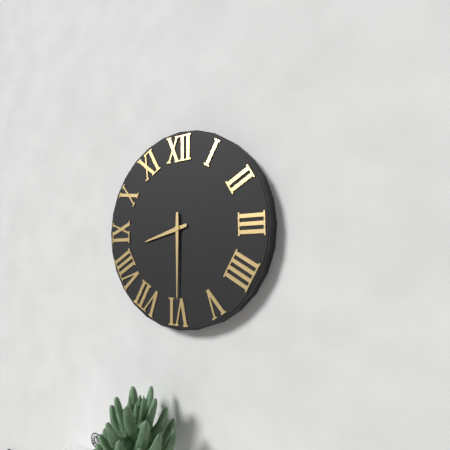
h=8 m=30
